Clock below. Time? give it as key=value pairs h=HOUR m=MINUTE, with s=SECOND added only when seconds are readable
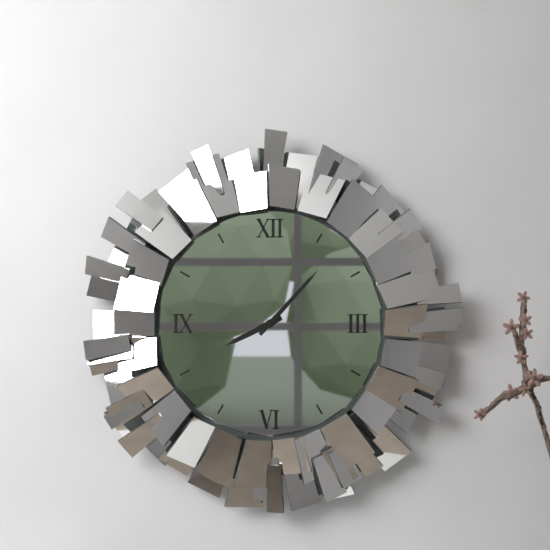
h=8 m=7
